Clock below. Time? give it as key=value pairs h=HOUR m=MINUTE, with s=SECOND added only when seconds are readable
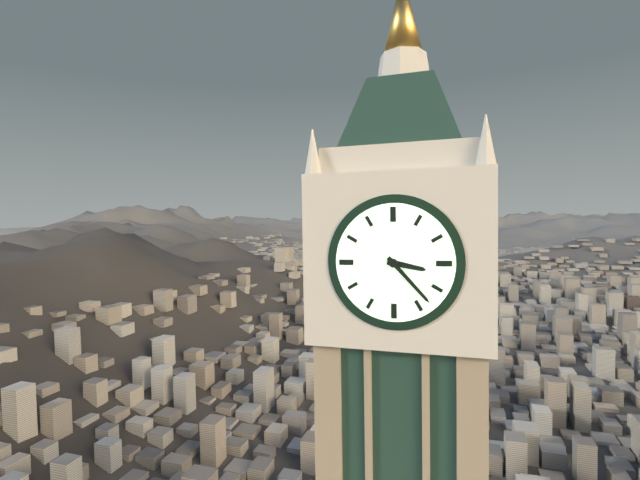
h=3 m=23
